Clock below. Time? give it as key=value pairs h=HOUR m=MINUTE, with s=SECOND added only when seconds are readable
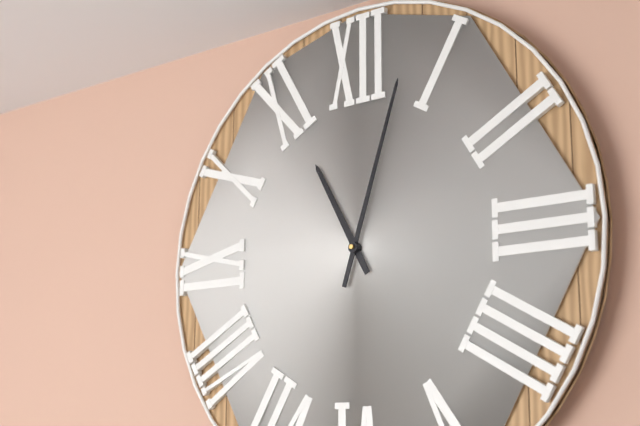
h=11 m=3
